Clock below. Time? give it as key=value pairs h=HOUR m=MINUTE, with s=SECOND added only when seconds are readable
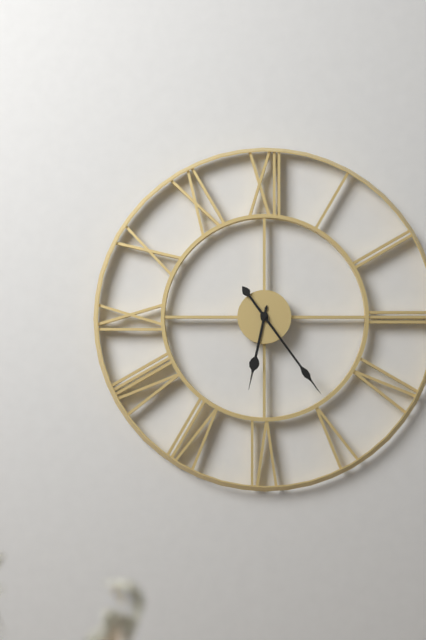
h=6 m=24
